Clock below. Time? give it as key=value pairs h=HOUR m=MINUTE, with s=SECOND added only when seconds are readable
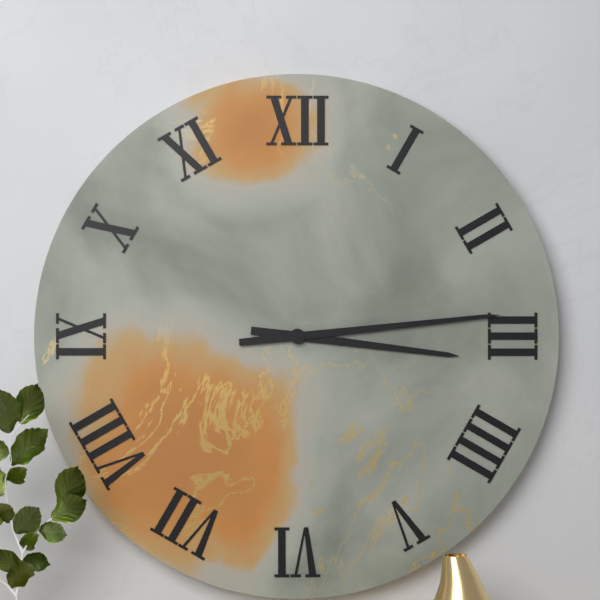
h=3 m=14
